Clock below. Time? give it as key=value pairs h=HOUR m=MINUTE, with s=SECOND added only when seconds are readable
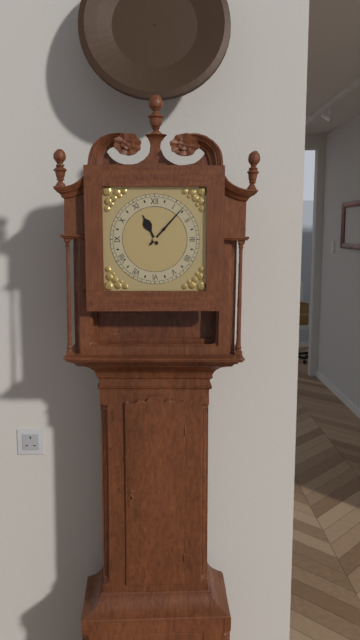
h=11 m=7
